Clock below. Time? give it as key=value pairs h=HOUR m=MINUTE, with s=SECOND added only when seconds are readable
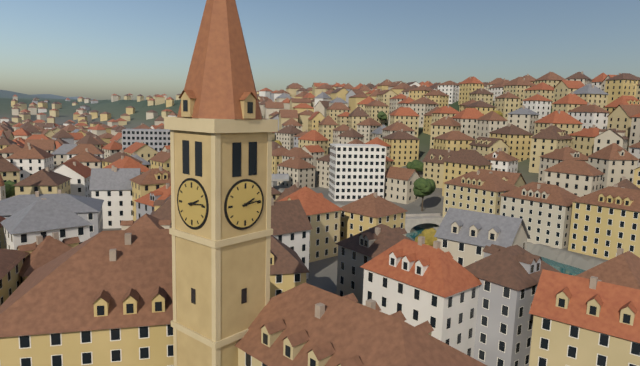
h=2 m=14
